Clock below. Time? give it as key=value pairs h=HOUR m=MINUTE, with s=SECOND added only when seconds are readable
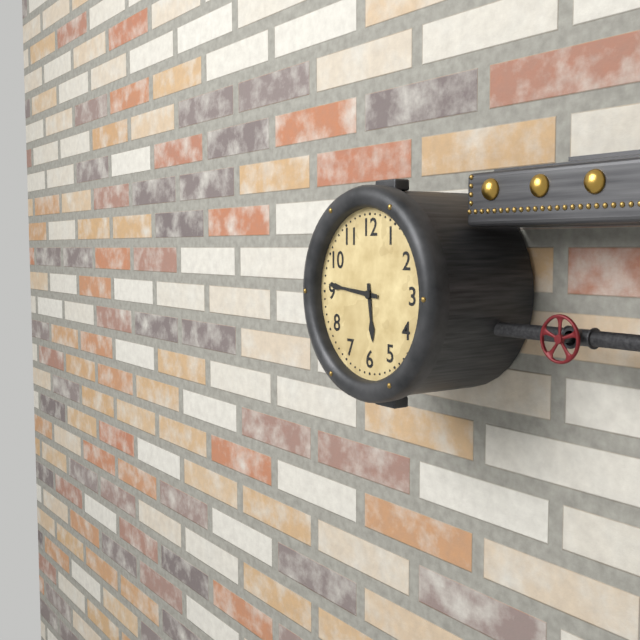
h=5 m=46
